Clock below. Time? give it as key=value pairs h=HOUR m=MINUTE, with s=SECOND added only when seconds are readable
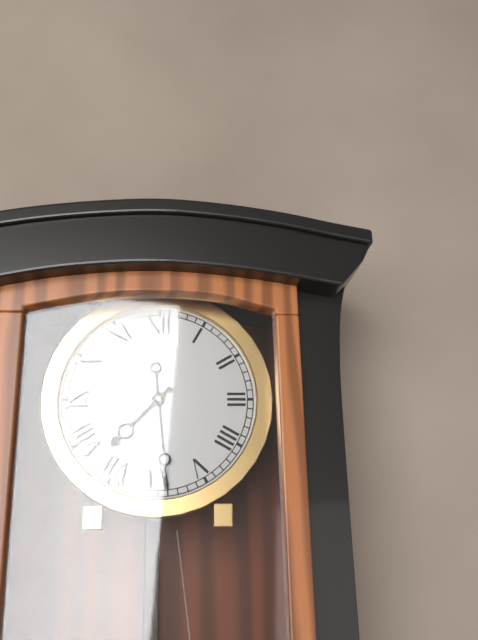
h=7 m=29
